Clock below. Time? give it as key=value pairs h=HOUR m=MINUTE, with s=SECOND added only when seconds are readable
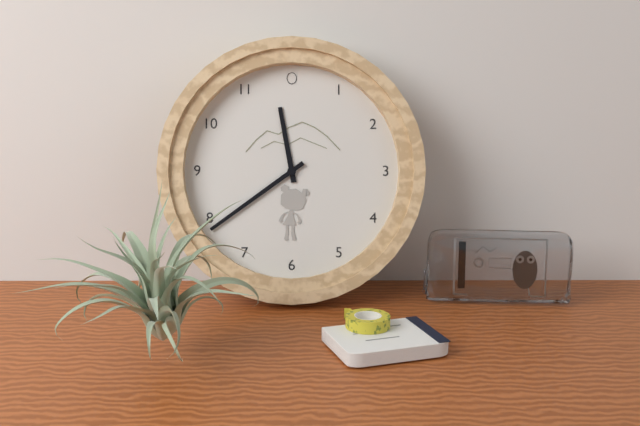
h=11 m=39
